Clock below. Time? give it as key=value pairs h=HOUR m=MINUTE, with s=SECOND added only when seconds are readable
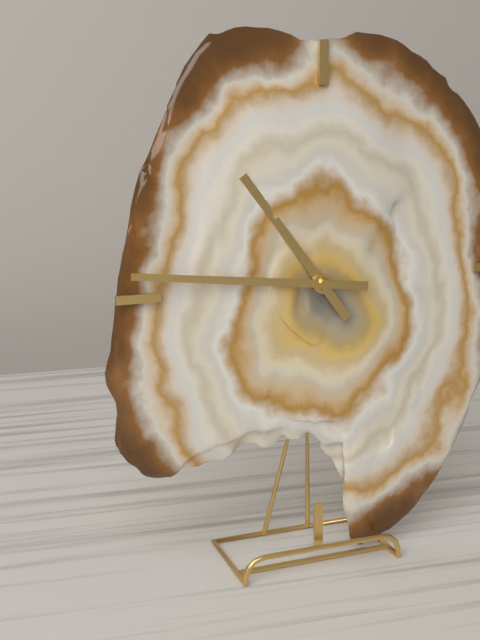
h=10 m=46
